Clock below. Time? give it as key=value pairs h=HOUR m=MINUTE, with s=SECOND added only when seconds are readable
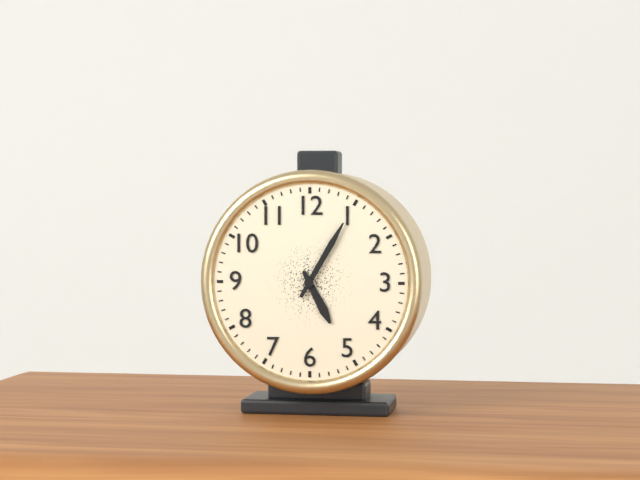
h=5 m=5
